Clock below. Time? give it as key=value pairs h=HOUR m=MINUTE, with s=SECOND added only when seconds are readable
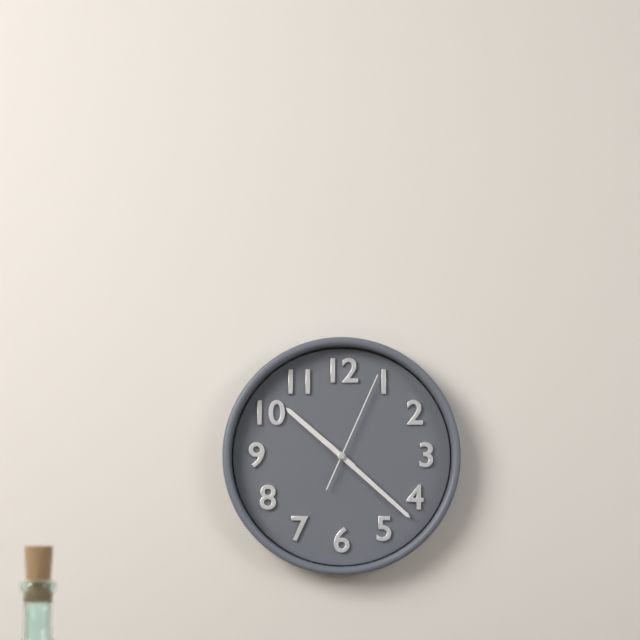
h=10 m=22 s=4
